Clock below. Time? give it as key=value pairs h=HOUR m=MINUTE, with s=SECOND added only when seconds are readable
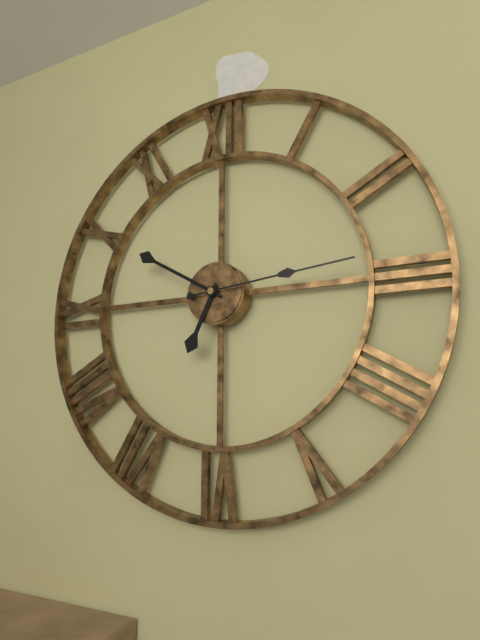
h=6 m=50 s=14
